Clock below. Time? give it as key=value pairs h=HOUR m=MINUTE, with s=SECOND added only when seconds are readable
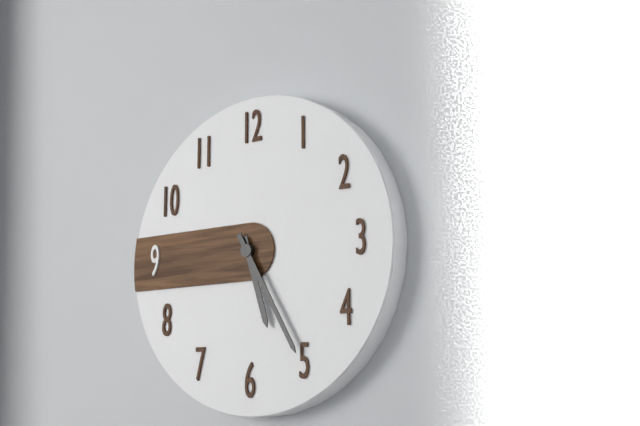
h=5 m=25
